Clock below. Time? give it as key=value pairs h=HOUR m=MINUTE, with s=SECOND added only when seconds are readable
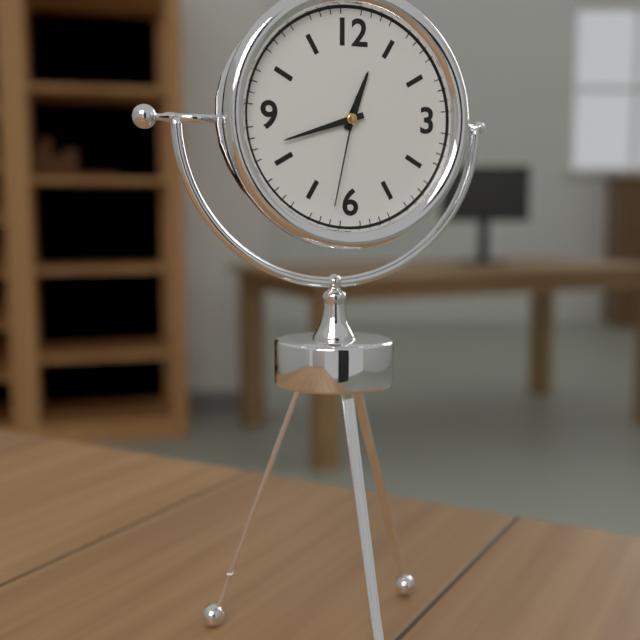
h=12 m=42 s=32
